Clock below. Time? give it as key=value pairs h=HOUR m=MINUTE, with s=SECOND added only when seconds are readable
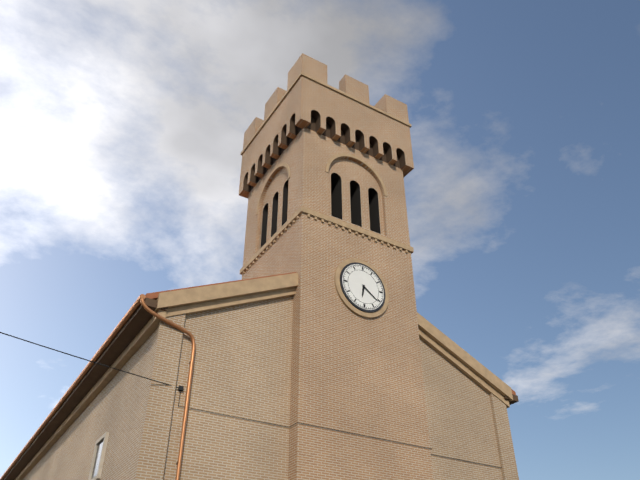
h=6 m=21
